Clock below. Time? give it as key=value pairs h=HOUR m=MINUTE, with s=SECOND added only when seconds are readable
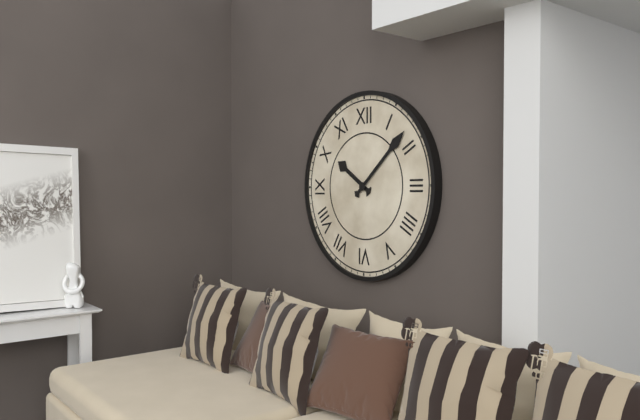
h=10 m=8
